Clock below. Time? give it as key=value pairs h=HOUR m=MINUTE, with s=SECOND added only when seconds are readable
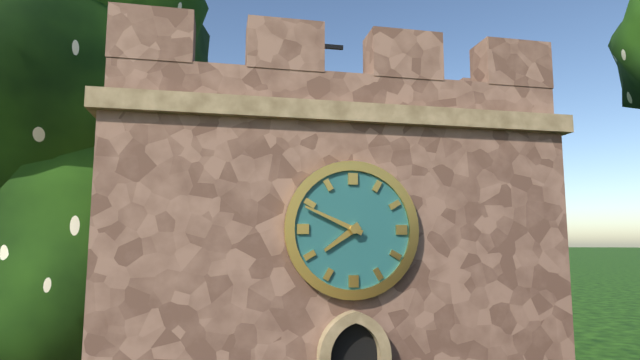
h=7 m=49
